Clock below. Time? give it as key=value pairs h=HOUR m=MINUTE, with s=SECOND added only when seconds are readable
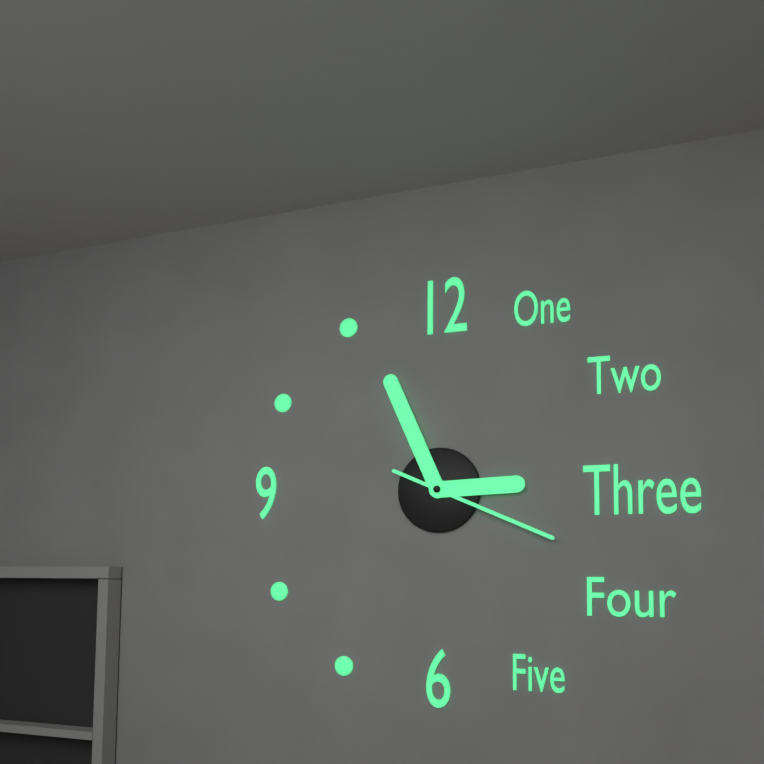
h=2 m=56 s=19
